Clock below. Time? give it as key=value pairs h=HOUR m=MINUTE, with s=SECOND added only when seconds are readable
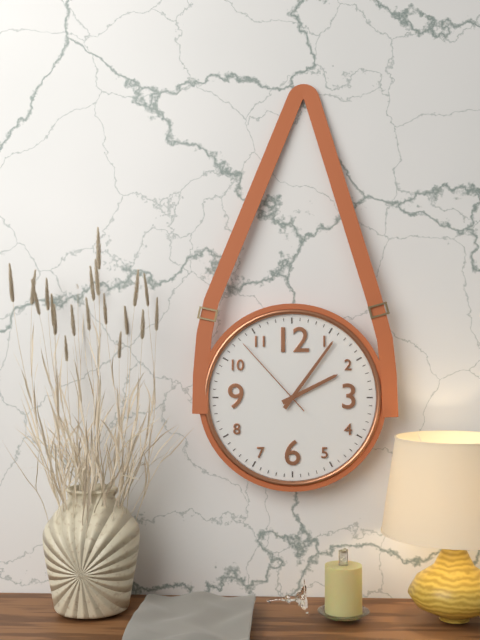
h=2 m=6 s=53
